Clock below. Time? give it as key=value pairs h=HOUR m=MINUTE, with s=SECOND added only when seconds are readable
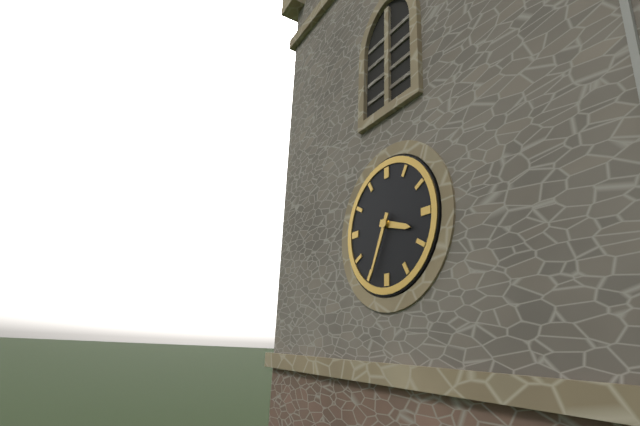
h=3 m=34
